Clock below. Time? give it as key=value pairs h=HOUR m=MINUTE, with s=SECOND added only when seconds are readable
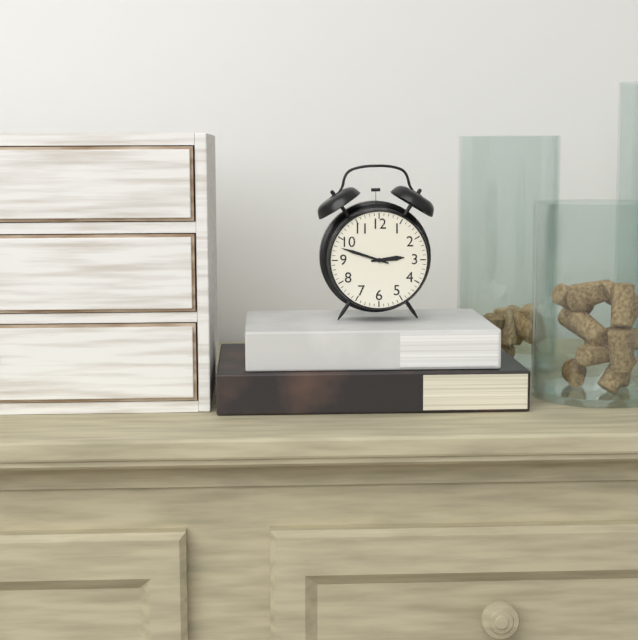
h=2 m=48
